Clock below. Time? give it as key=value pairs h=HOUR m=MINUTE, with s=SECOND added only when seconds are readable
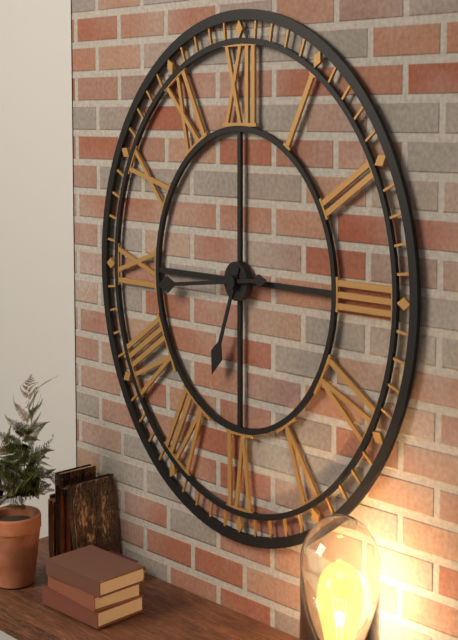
h=6 m=44
